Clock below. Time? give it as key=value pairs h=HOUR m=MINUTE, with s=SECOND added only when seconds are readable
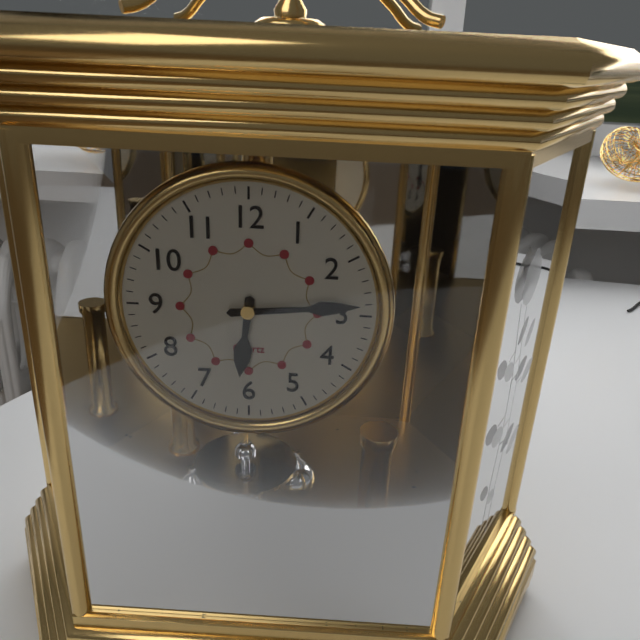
h=6 m=14
